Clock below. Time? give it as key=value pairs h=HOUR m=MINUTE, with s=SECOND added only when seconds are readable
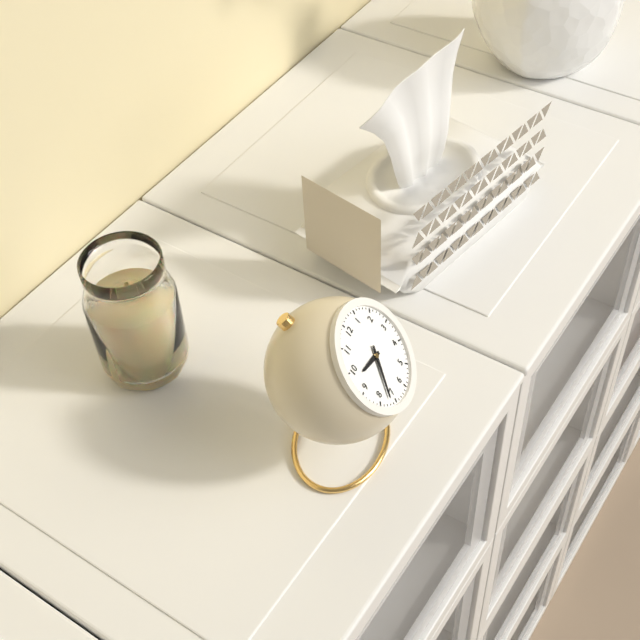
h=9 m=37
